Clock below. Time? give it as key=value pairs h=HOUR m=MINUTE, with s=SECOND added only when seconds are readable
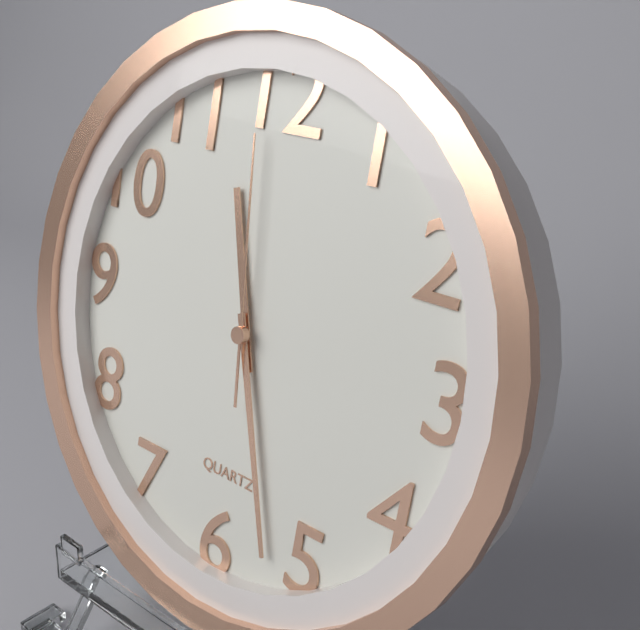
h=11 m=27 s=59
